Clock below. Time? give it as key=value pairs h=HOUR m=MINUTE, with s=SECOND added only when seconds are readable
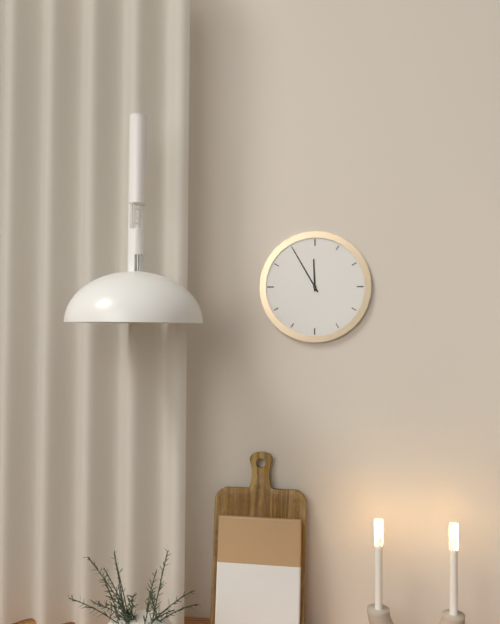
h=11 m=55
